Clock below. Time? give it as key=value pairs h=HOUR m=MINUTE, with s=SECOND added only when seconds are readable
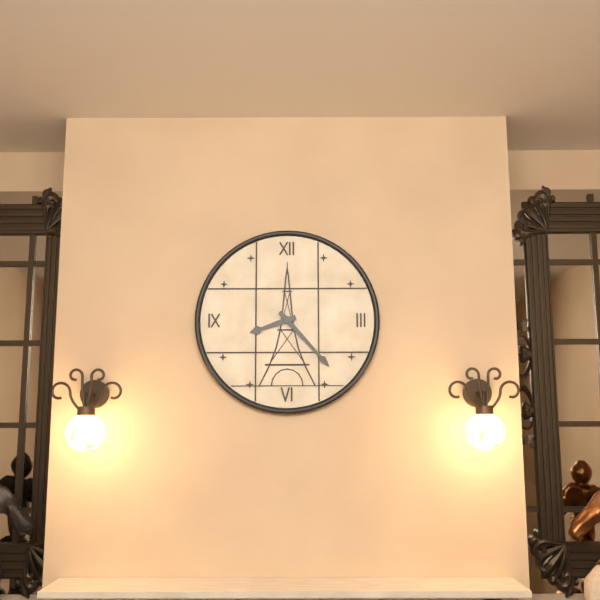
h=8 m=23
